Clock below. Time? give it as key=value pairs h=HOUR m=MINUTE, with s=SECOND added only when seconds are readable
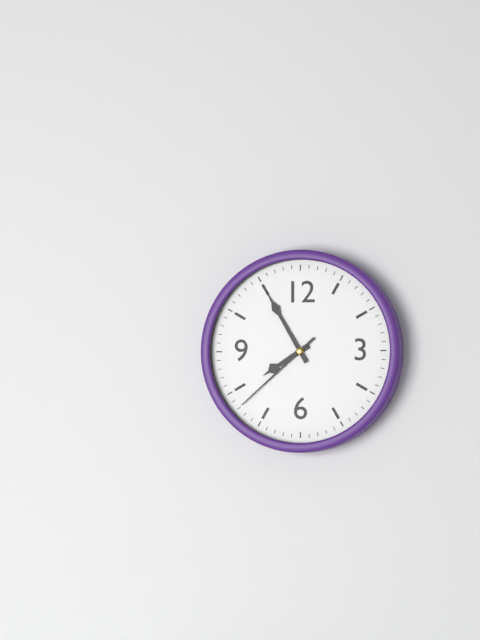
h=7 m=55 s=38
